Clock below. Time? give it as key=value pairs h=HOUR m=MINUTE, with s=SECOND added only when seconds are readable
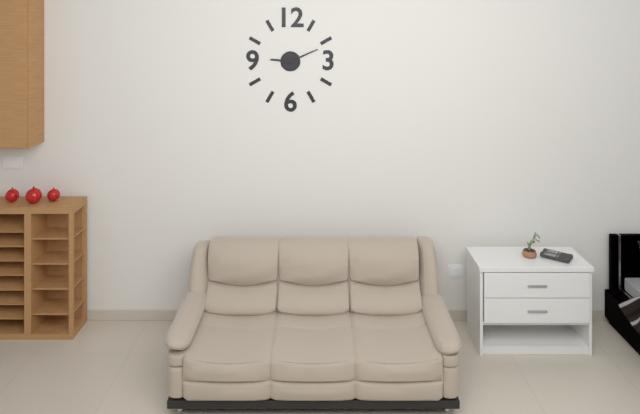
h=9 m=11
